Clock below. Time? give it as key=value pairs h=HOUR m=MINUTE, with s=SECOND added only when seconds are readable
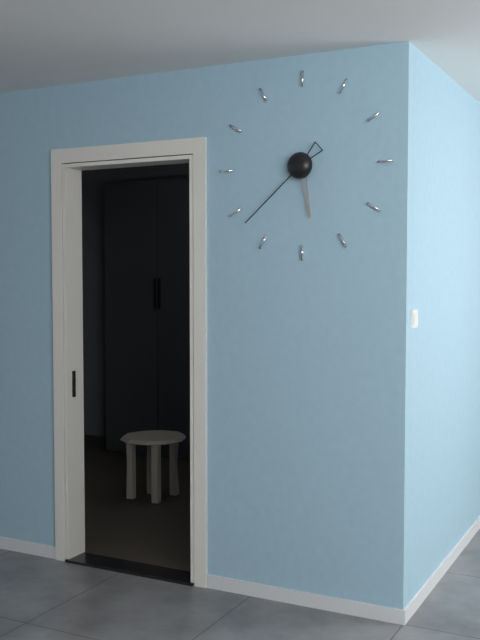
h=5 m=38
